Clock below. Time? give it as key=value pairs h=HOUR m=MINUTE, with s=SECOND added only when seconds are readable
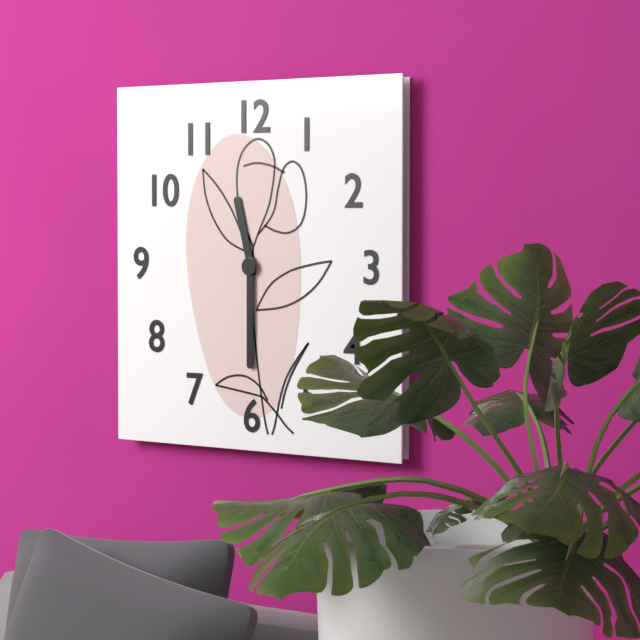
h=11 m=30
